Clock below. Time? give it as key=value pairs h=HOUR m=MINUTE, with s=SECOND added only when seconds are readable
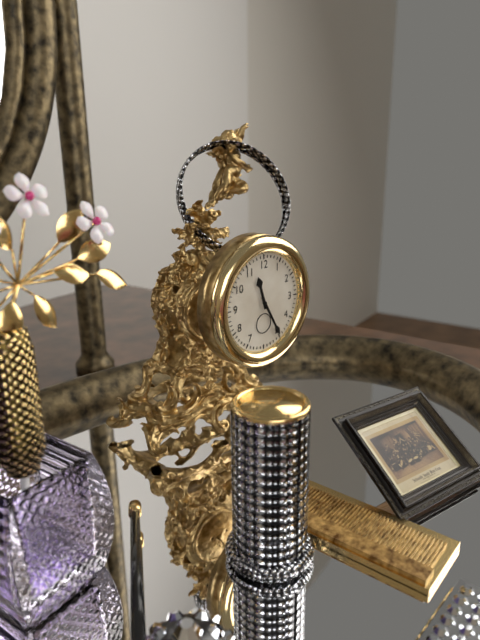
h=11 m=25
